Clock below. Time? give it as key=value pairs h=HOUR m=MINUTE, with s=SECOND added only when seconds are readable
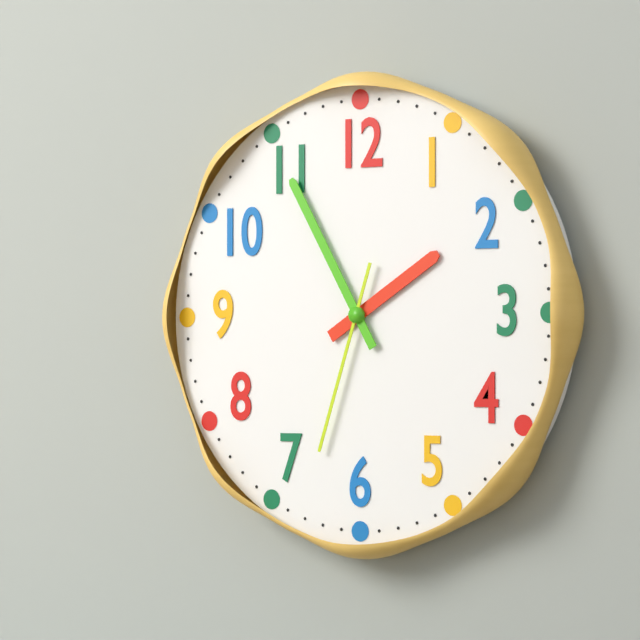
h=1 m=55 s=33
